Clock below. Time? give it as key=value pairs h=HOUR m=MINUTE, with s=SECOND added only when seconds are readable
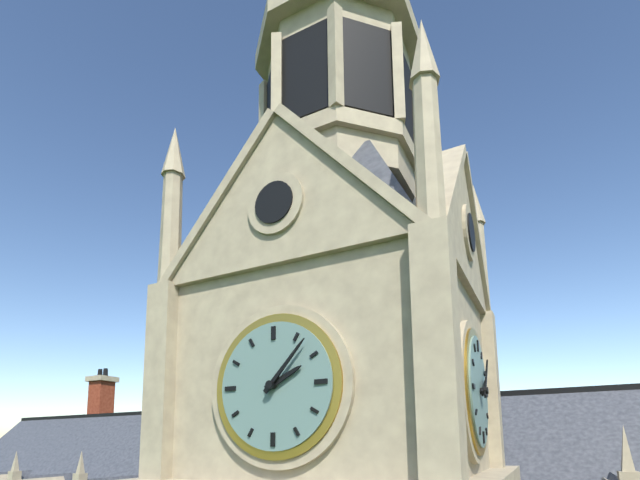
h=2 m=7
